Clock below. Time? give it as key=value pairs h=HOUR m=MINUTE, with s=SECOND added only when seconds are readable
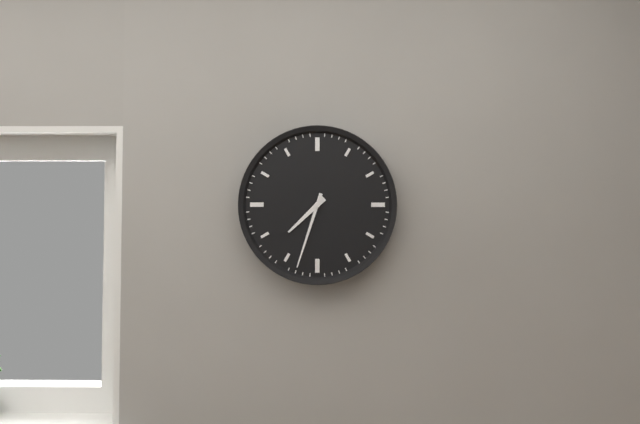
h=7 m=33
